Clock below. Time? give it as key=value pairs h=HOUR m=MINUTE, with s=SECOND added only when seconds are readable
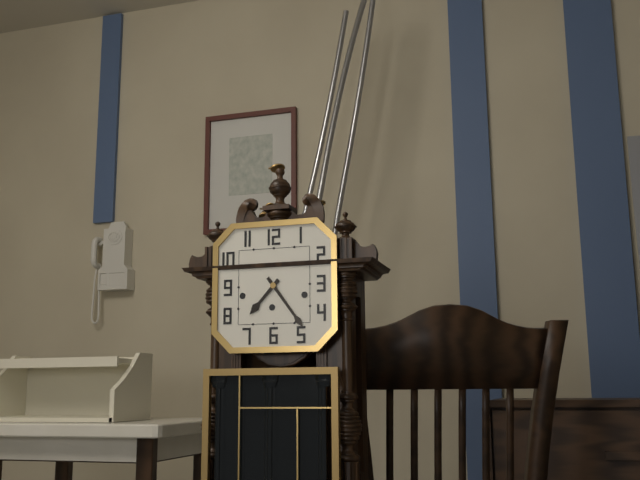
h=7 m=24
